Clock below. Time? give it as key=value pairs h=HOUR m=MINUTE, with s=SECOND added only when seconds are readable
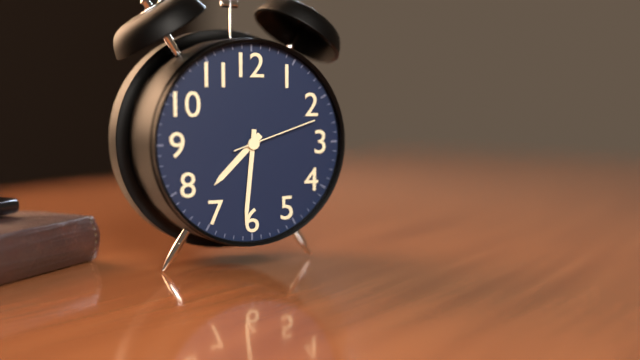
h=7 m=31 s=12
